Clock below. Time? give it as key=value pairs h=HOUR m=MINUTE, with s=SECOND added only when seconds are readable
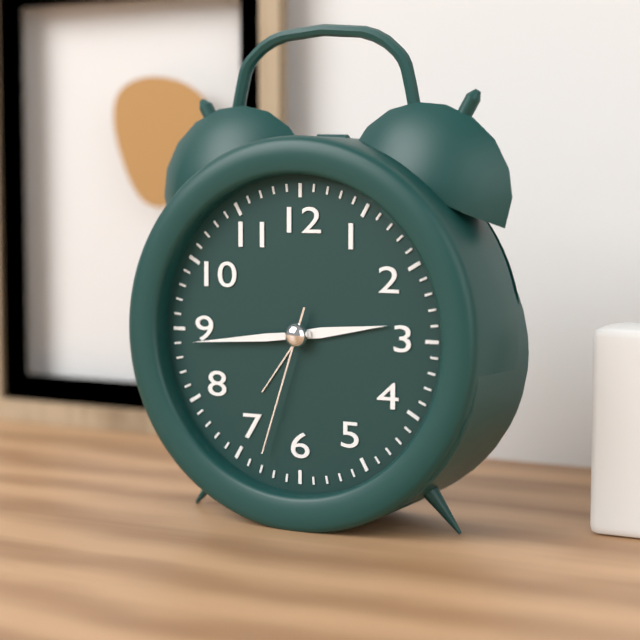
h=2 m=44 s=33
